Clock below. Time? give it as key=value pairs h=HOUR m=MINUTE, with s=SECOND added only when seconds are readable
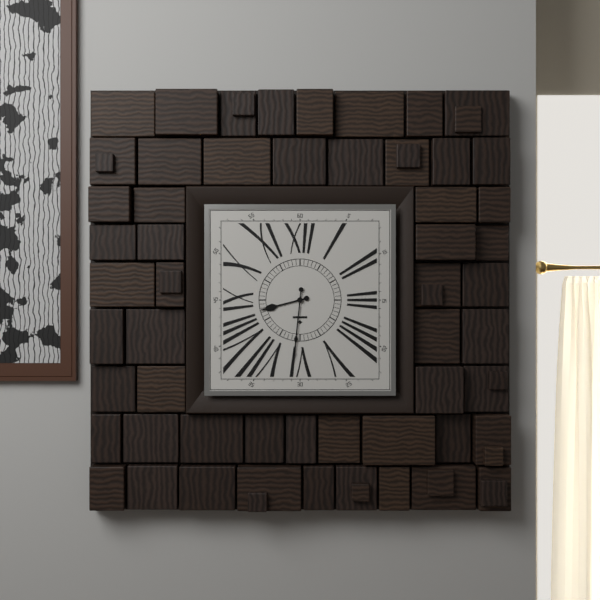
h=8 m=31
